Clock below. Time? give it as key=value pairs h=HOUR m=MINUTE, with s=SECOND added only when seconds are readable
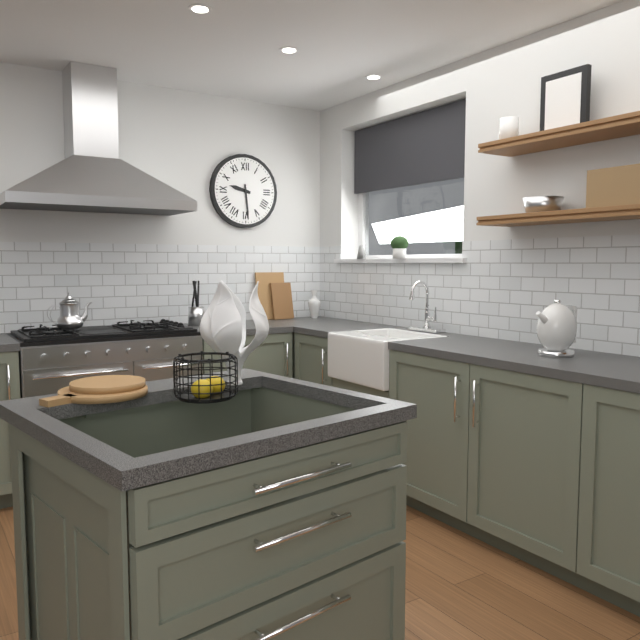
h=9 m=29
